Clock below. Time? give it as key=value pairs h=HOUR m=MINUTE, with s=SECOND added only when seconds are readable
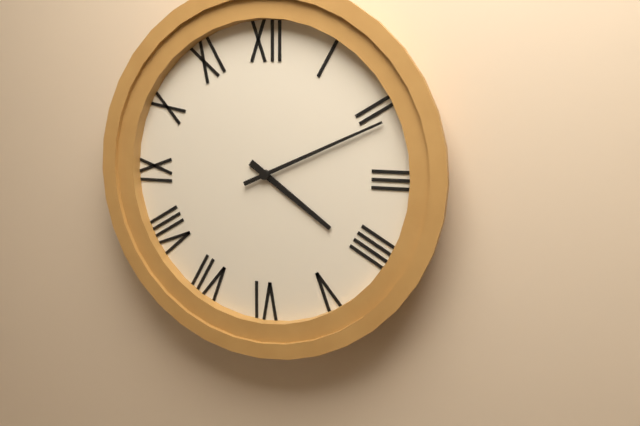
h=4 m=11
